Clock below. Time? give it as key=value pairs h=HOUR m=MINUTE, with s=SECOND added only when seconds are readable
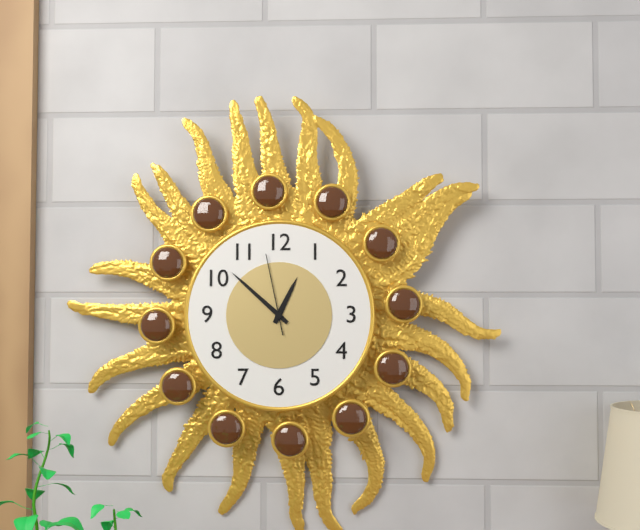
h=12 m=52 s=58
